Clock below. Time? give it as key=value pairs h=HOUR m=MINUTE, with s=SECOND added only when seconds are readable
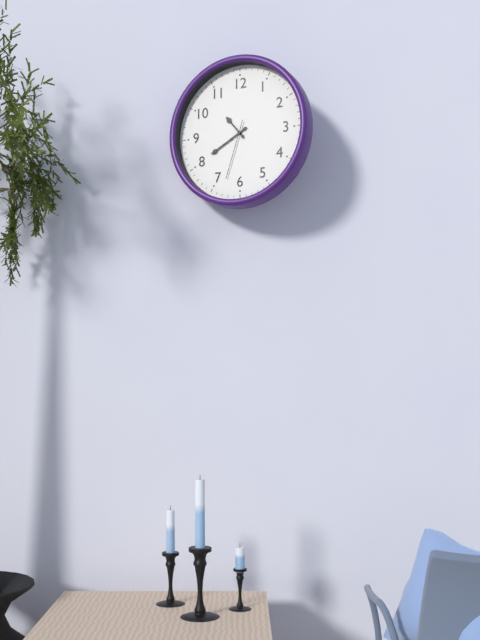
h=10 m=40 s=33
